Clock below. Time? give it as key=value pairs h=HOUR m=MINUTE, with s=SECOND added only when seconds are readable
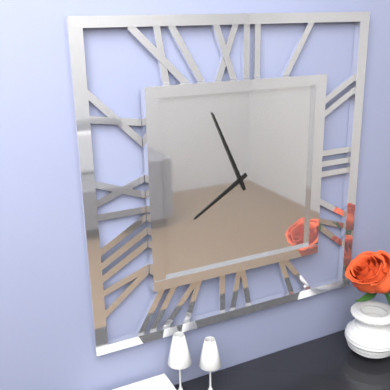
h=7 m=56
